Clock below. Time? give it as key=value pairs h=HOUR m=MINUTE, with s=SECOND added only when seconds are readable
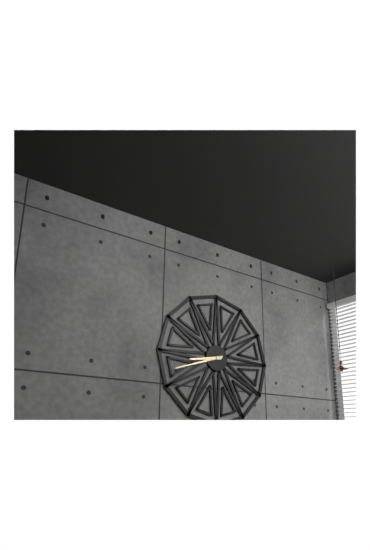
h=8 m=42
